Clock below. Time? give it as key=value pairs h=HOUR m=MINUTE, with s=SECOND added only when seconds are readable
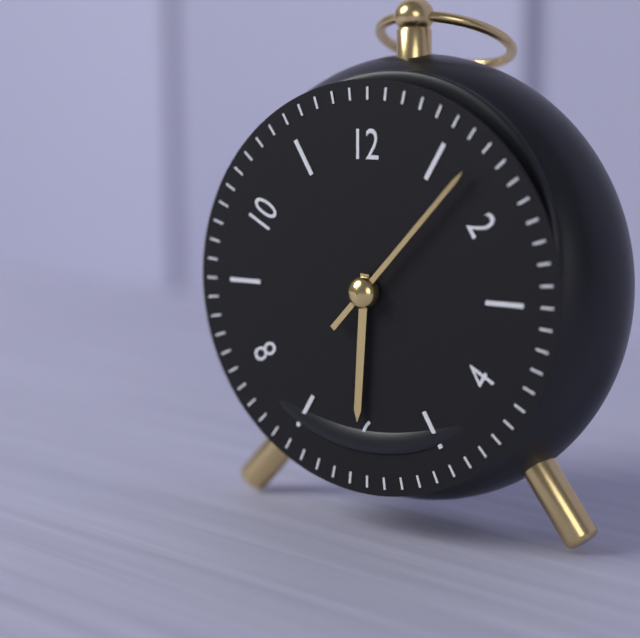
h=6 m=7
